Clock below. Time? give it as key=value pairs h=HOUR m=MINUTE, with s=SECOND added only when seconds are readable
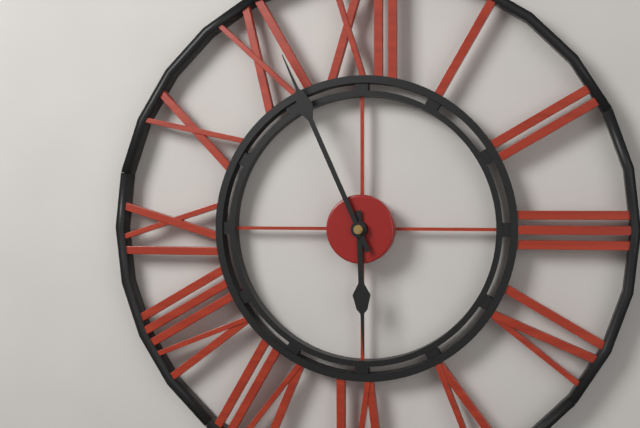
h=5 m=56
